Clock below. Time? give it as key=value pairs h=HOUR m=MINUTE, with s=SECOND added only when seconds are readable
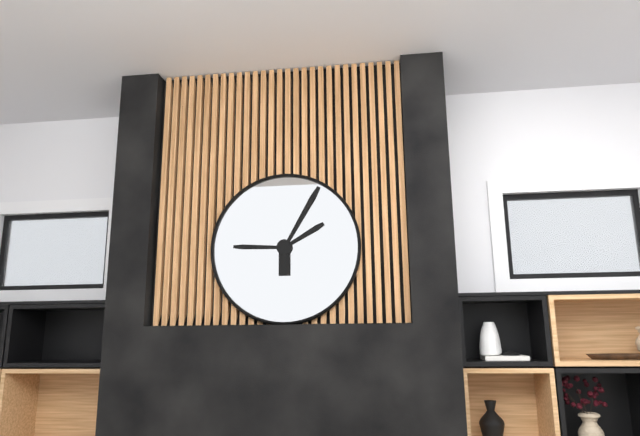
h=9 m=5 s=10
